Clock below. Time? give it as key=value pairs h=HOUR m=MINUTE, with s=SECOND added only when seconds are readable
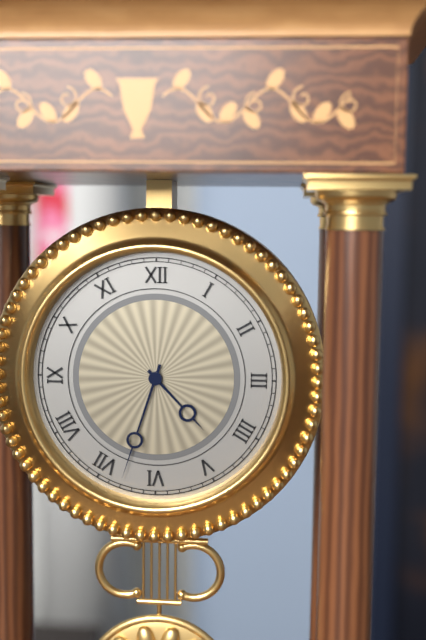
h=4 m=33
